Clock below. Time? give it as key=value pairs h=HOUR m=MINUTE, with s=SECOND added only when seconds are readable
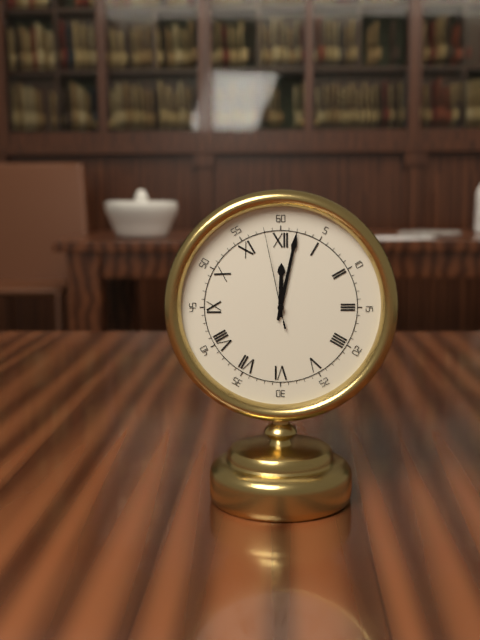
h=12 m=2 s=58
